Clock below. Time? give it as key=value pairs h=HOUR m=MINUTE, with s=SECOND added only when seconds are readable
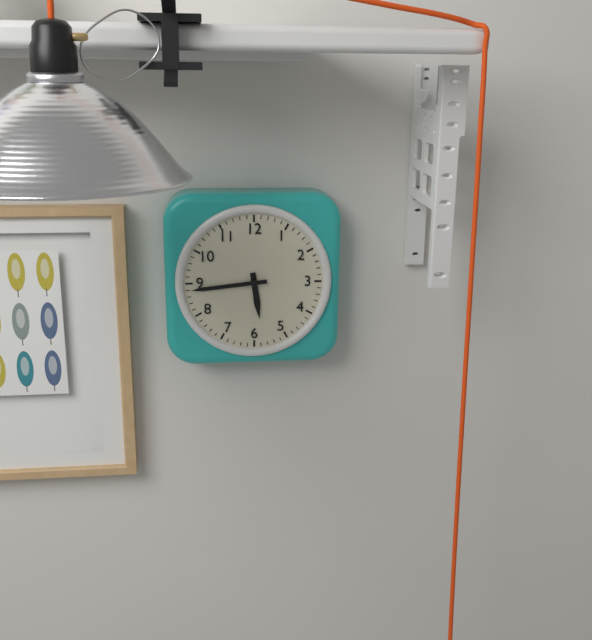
h=5 m=44
